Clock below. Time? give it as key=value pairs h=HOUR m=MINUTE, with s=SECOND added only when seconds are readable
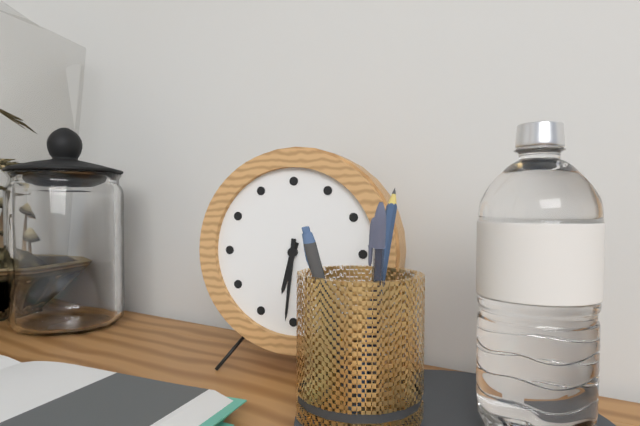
h=6 m=31
